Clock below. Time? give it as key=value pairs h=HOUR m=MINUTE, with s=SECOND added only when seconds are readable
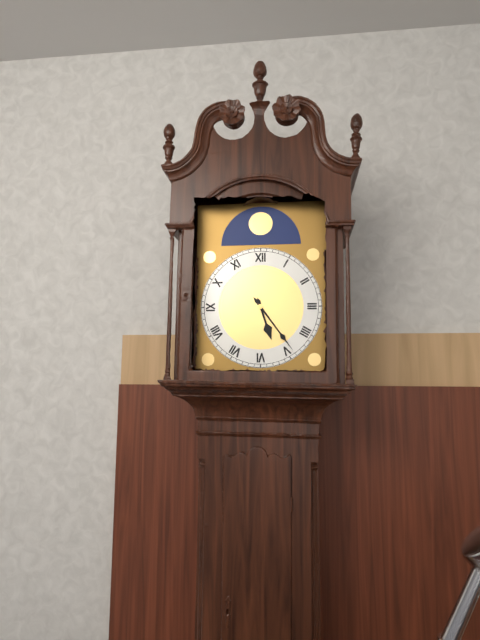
h=5 m=24
